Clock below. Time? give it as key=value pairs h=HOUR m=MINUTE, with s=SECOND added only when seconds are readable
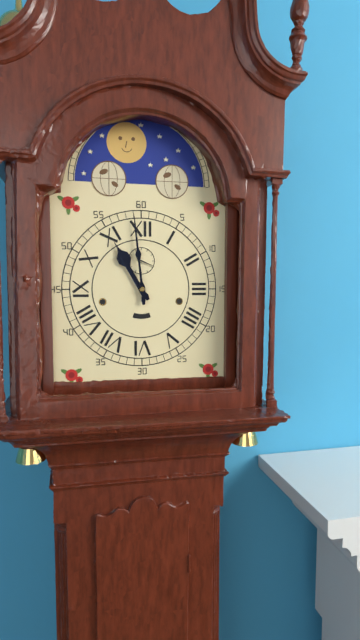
h=10 m=59
